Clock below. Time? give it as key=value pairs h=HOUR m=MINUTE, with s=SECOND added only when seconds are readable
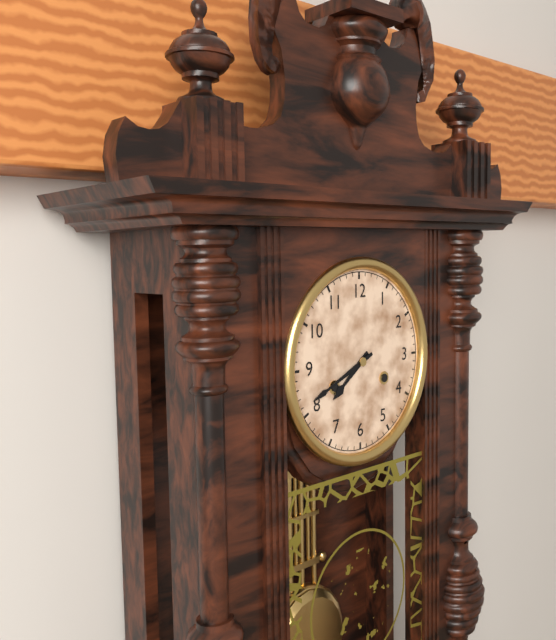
h=7 m=41
